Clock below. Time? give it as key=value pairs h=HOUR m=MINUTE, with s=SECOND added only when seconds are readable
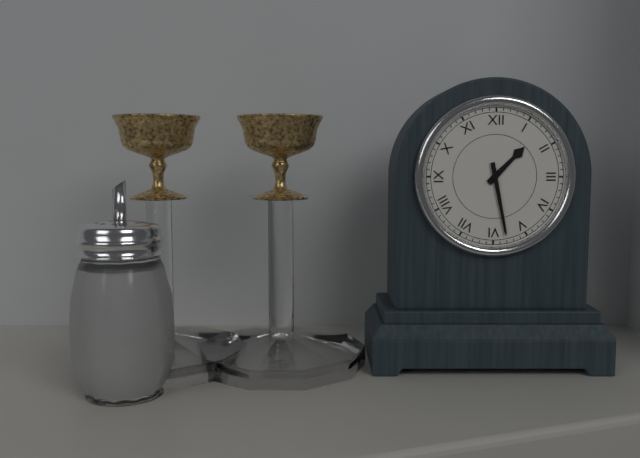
h=1 m=28
